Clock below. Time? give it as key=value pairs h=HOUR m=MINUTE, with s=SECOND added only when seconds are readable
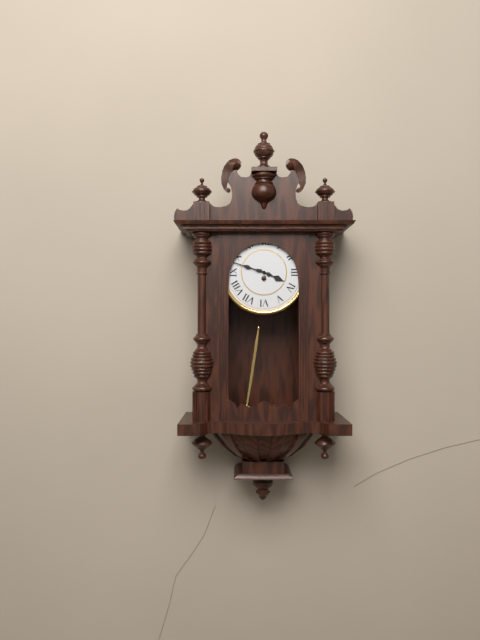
h=3 m=48
